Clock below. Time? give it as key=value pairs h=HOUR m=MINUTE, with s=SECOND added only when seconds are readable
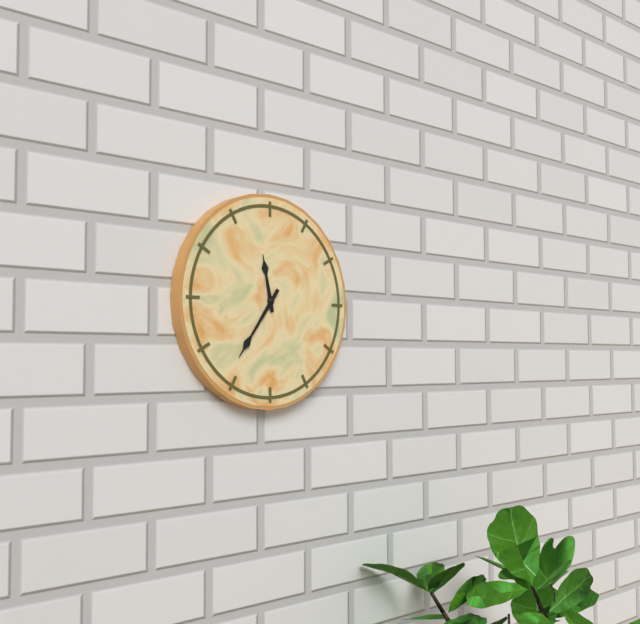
h=11 m=36
